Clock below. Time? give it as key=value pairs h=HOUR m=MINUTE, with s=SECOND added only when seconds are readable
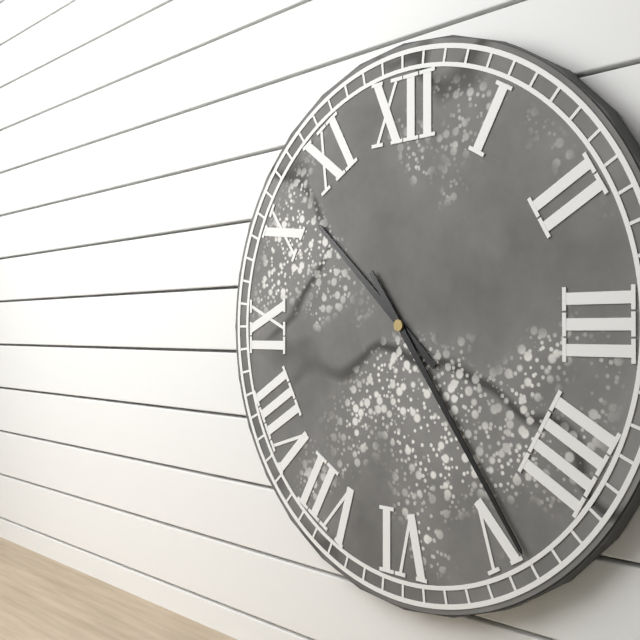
h=10 m=24
